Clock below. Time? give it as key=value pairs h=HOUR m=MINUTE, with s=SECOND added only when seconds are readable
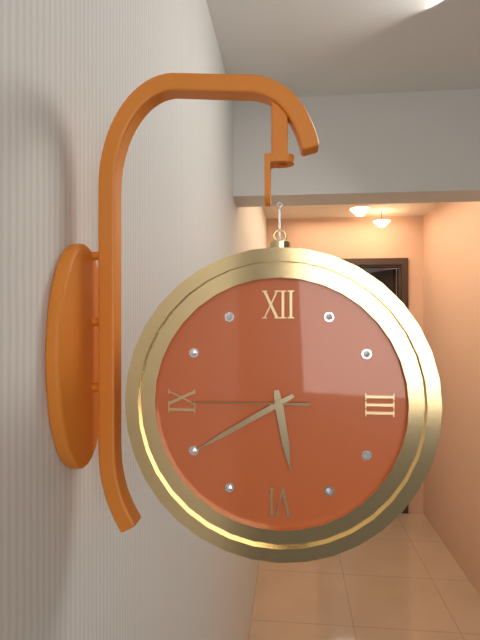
h=5 m=40 s=45
